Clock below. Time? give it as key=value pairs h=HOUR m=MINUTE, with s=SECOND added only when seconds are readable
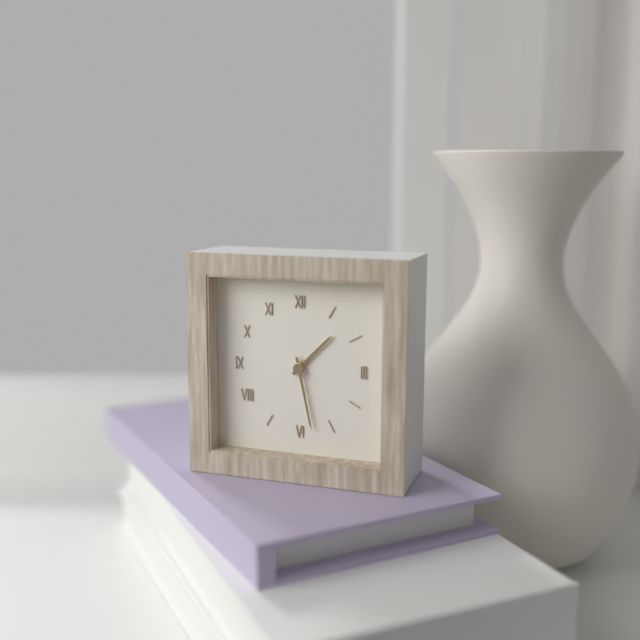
h=1 m=28
